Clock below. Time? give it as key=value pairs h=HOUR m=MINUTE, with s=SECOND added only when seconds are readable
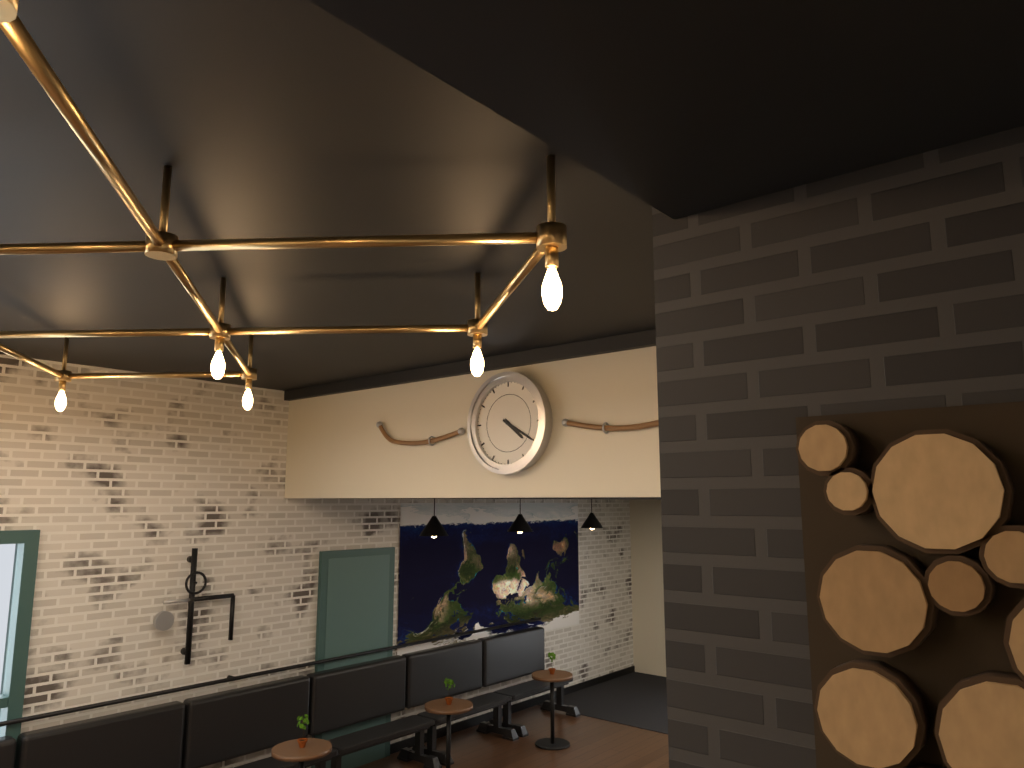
h=4 m=20
